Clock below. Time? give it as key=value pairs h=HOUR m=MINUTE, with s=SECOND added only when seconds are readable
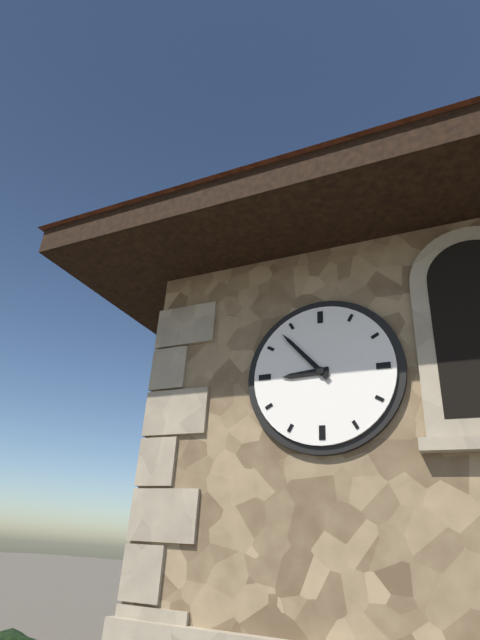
h=8 m=53
